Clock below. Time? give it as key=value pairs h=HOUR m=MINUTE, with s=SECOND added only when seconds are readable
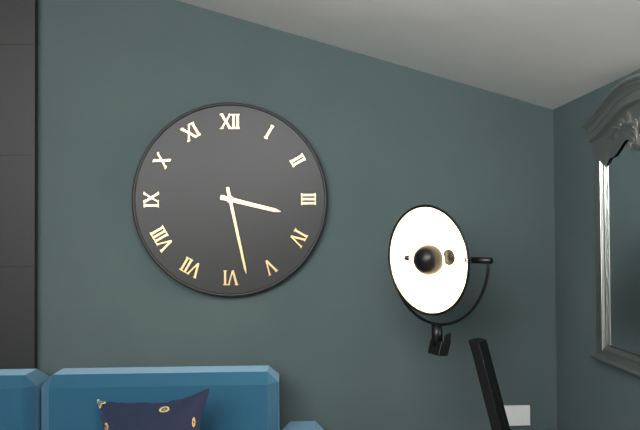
h=3 m=28
